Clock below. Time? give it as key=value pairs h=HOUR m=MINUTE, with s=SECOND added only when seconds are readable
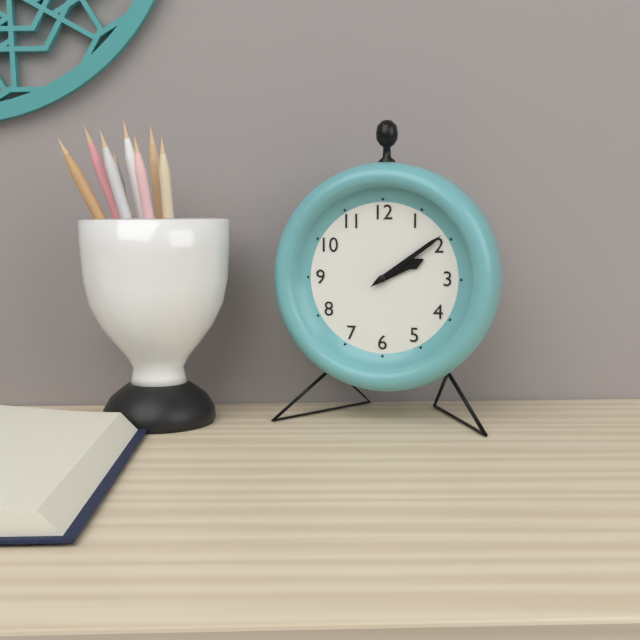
h=2 m=9
